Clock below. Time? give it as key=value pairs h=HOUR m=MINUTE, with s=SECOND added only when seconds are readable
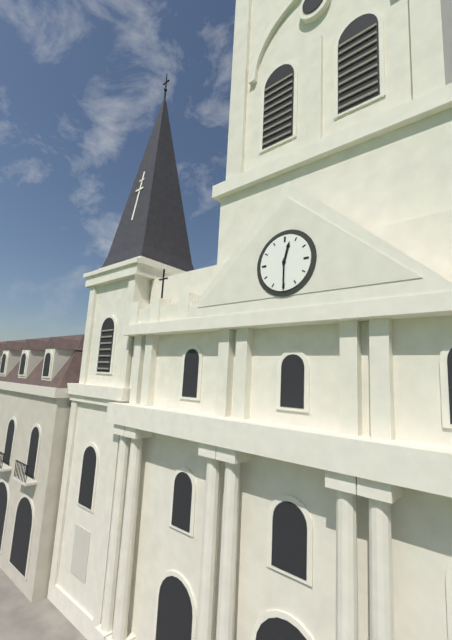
h=12 m=30
